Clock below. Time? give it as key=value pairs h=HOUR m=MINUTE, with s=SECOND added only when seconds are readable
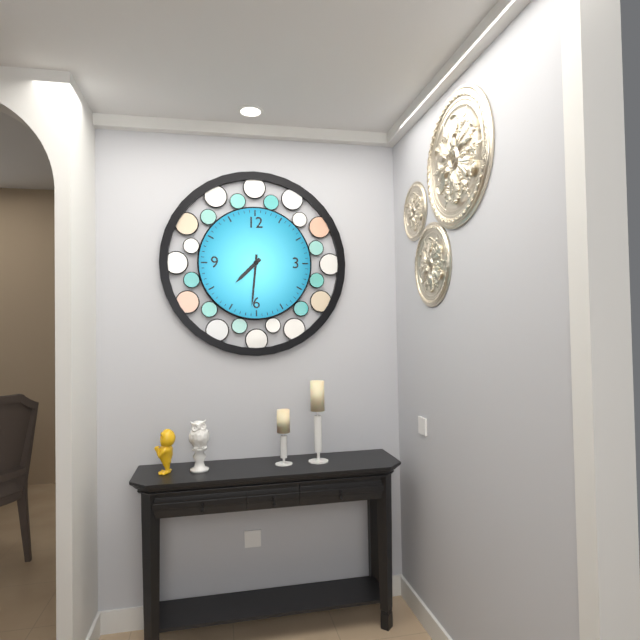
h=7 m=31
